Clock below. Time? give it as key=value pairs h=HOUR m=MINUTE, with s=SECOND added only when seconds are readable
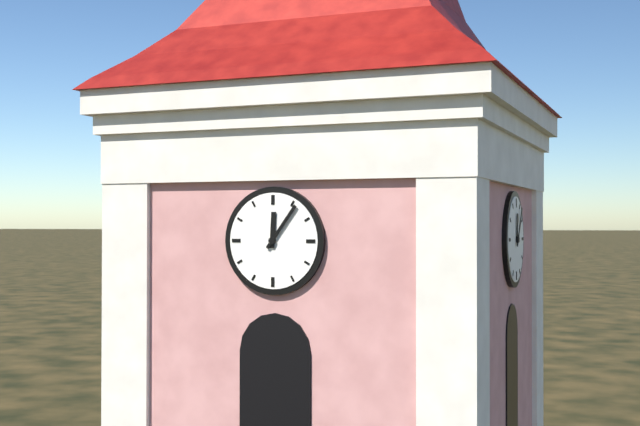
h=12 m=6
